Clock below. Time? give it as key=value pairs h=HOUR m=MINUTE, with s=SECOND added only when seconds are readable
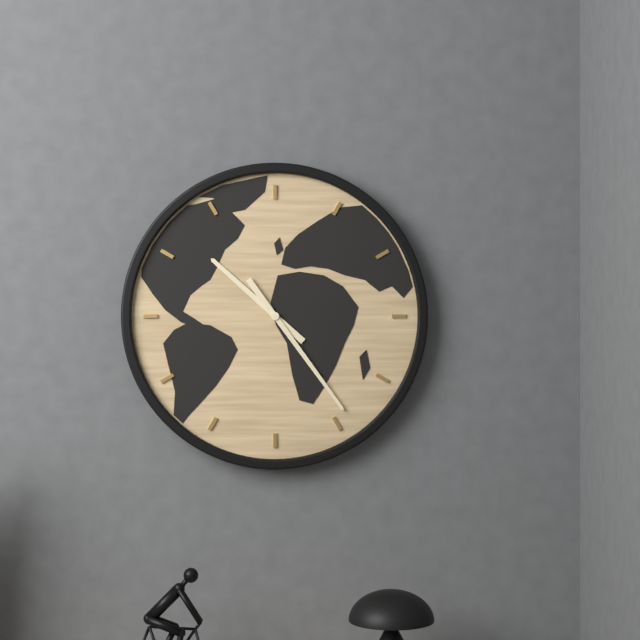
h=10 m=24
